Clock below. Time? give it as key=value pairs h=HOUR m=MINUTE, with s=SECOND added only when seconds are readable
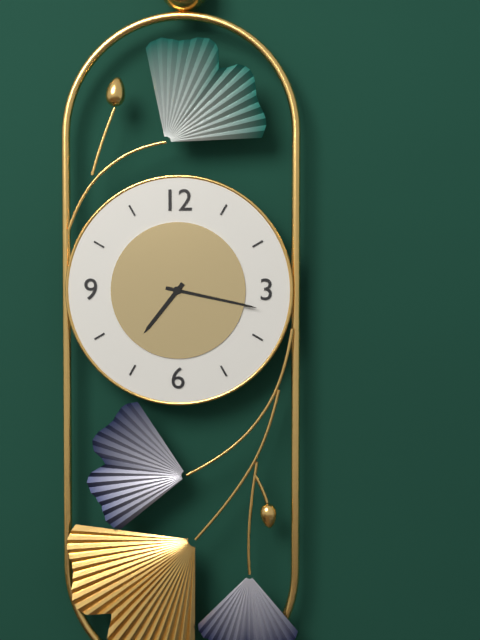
h=7 m=17
